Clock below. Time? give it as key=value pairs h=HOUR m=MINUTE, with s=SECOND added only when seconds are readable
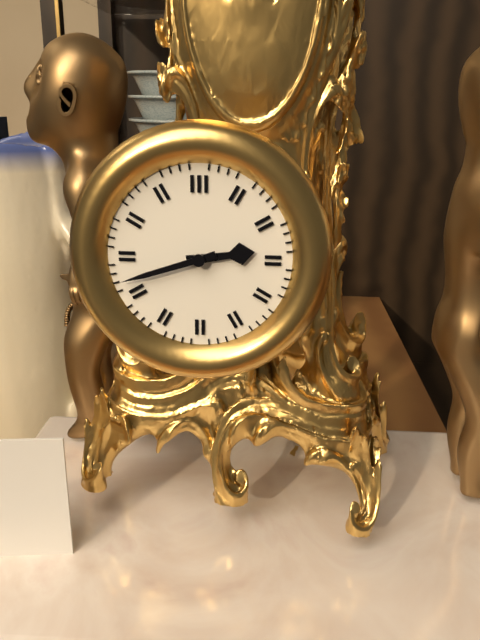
h=2 m=42
